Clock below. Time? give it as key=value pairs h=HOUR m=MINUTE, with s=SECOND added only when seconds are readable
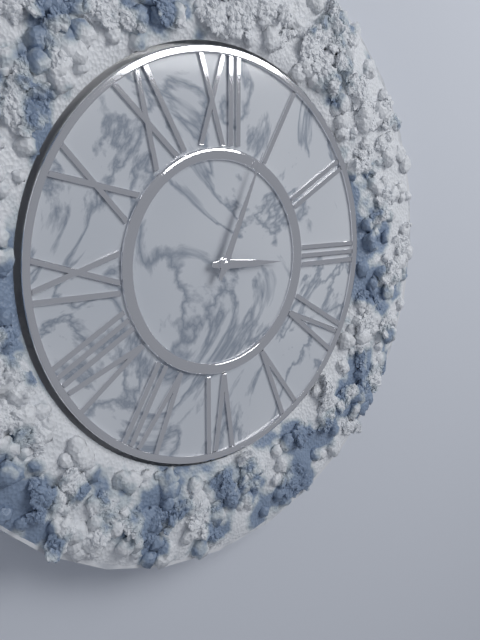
h=3 m=4
